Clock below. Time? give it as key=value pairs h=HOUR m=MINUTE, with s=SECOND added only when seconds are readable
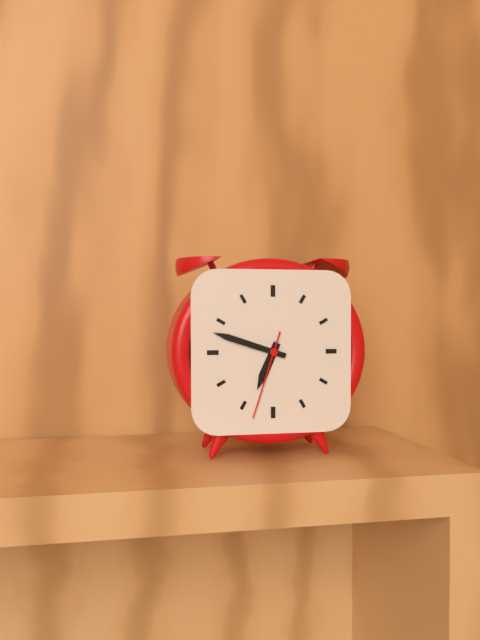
h=6 m=48 s=33
